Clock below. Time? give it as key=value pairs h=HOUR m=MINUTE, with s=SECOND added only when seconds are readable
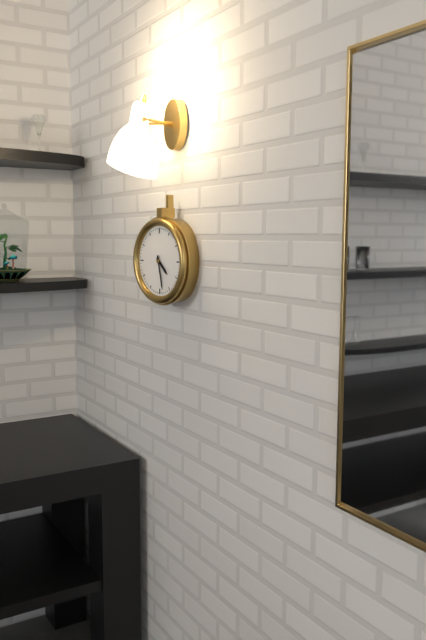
h=4 m=28
